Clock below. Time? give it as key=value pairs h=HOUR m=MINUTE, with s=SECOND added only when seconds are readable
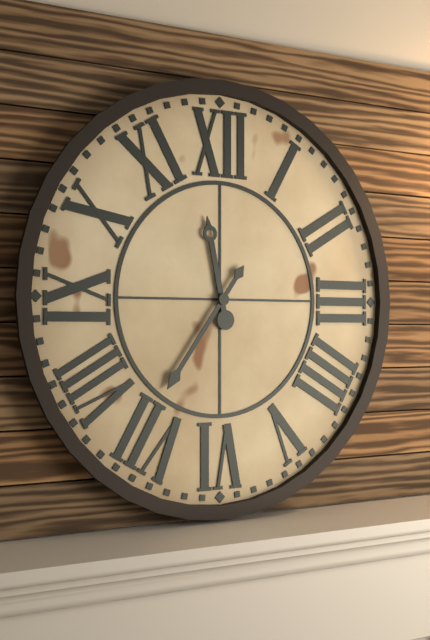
h=11 m=36
